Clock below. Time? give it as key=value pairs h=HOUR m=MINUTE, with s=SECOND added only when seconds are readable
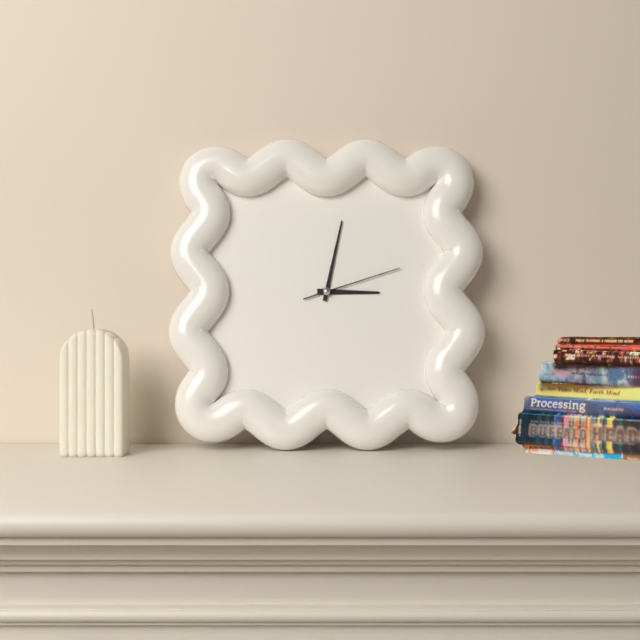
h=3 m=2 s=12
